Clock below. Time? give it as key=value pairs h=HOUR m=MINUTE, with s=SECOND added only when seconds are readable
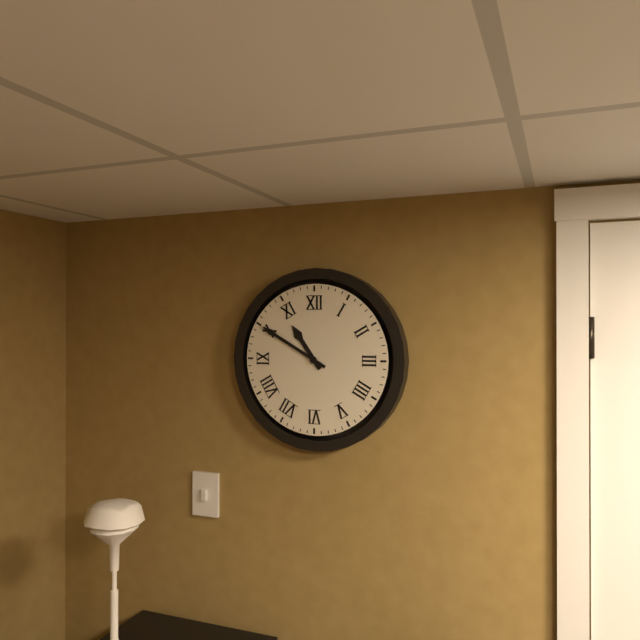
h=10 m=50
